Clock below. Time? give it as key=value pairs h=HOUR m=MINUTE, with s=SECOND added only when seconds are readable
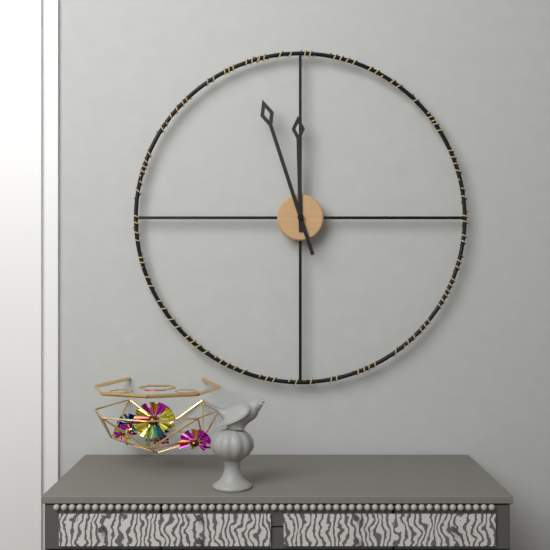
h=11 m=57
